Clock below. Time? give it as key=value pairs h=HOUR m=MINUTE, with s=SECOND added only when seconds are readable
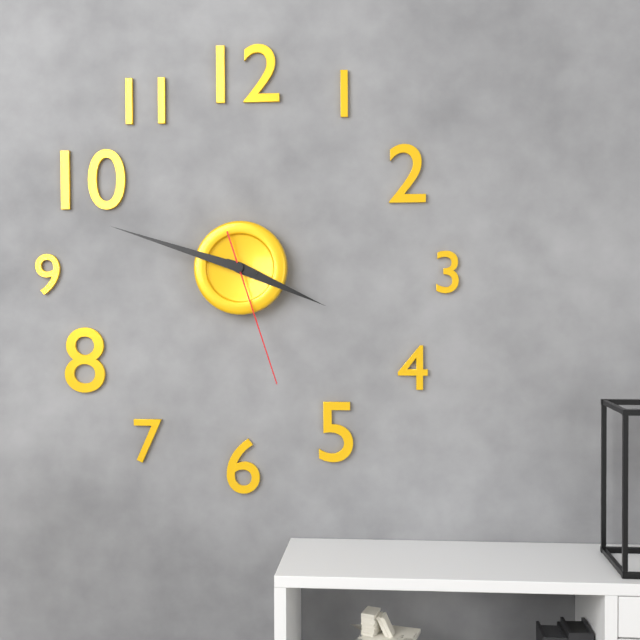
h=3 m=48 s=27
